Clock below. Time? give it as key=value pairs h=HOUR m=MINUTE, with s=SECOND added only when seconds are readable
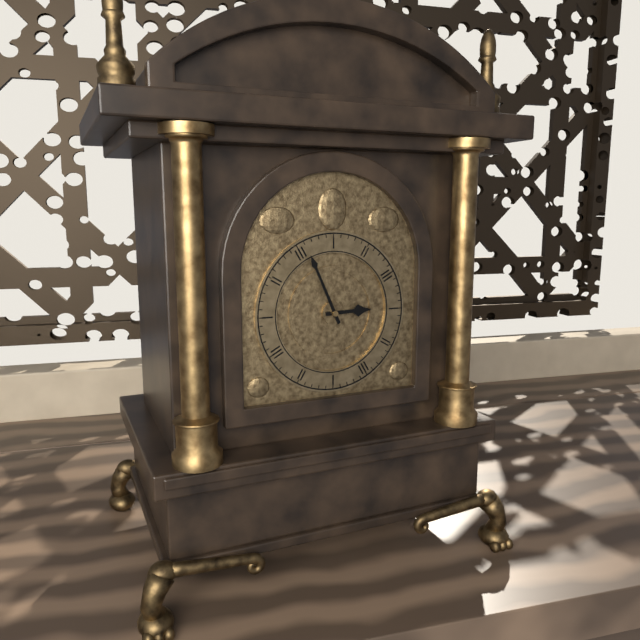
h=2 m=56
